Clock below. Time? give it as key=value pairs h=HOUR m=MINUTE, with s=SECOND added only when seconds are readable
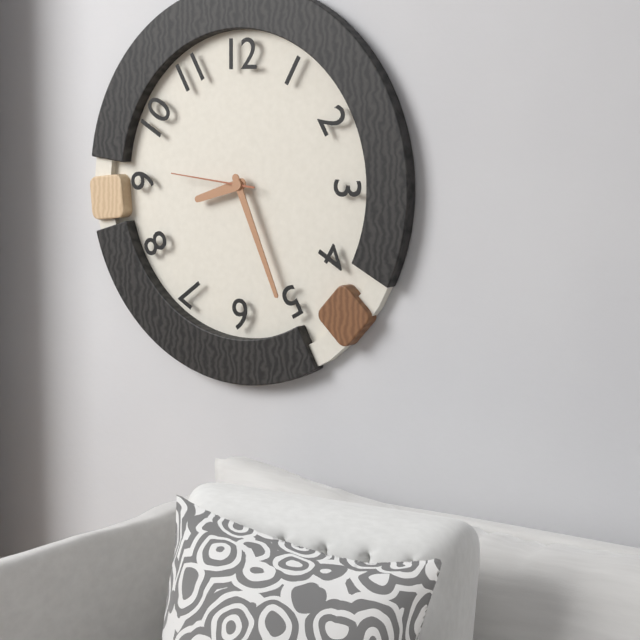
h=8 m=26 s=46
